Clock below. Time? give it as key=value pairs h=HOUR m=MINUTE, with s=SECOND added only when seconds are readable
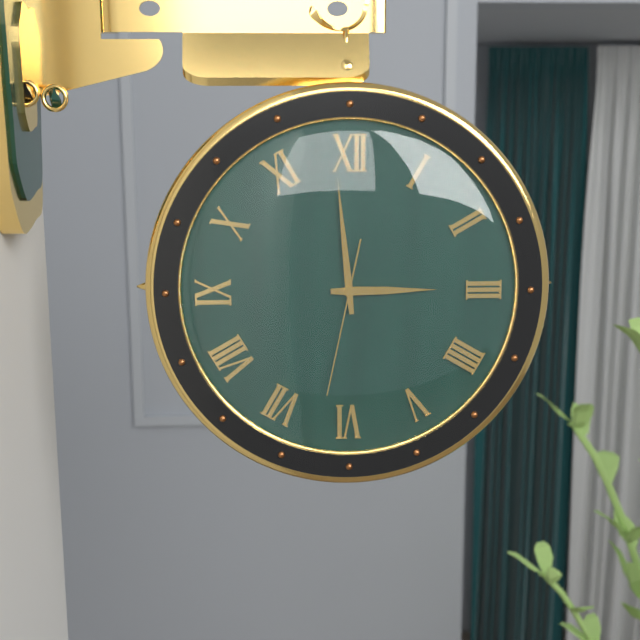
h=2 m=59 s=32
